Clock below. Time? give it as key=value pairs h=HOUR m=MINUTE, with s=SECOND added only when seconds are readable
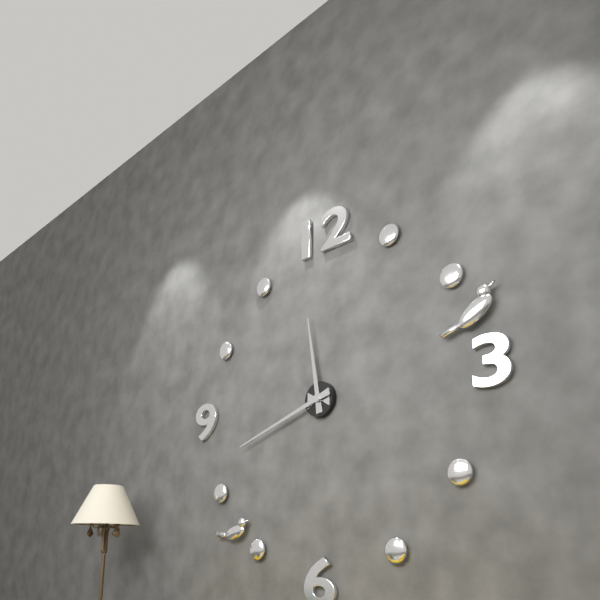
h=11 m=42
